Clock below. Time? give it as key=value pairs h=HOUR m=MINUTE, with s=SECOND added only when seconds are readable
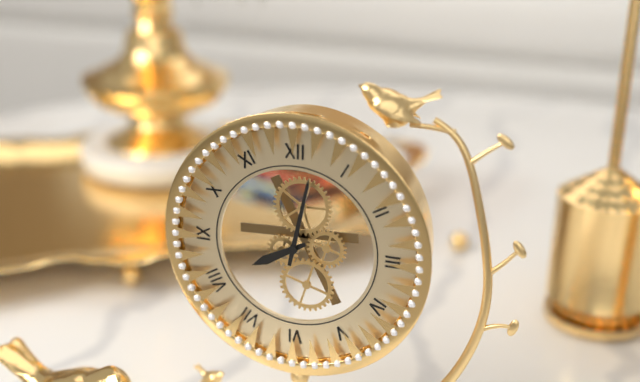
h=8 m=2
